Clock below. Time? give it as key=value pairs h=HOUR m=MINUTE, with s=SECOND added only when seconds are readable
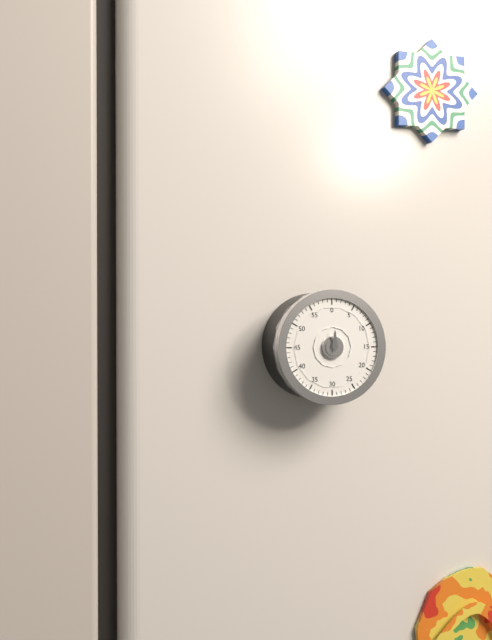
h=12 m=0
